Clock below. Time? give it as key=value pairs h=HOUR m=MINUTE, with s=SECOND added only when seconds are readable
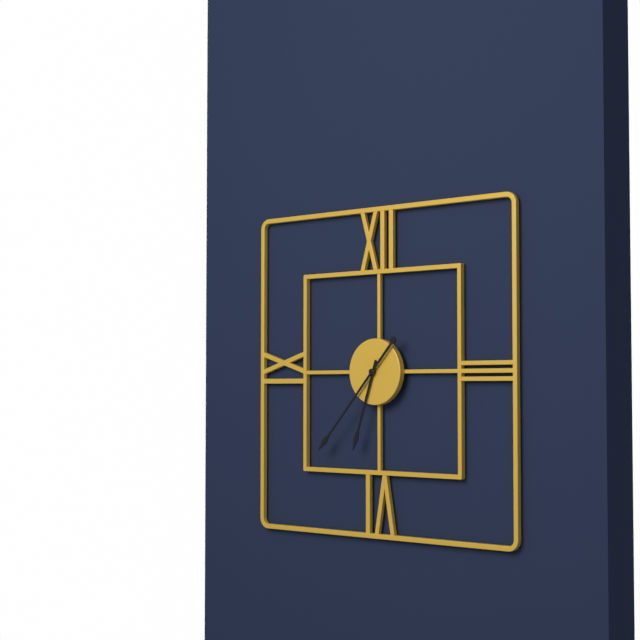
h=6 m=37
